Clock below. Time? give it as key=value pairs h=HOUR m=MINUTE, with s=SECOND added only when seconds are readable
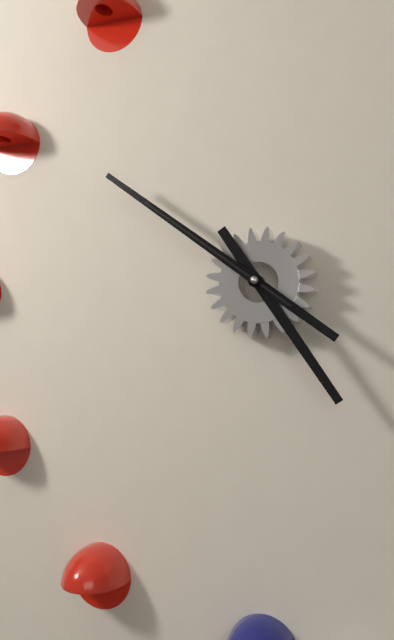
h=4 m=51 s=51
